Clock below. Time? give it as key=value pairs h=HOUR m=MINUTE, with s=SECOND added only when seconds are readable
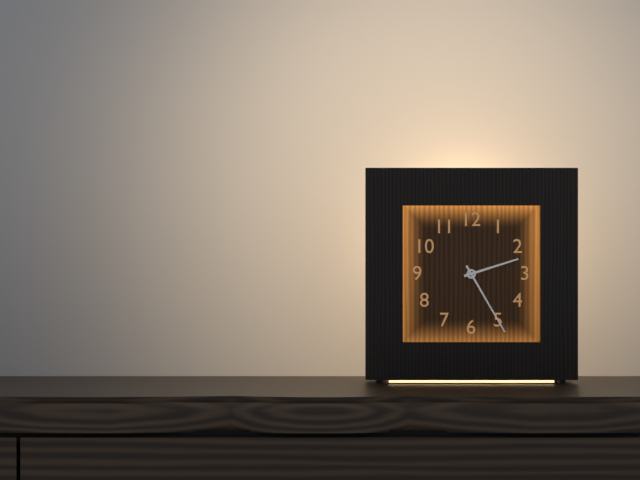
h=2 m=25
